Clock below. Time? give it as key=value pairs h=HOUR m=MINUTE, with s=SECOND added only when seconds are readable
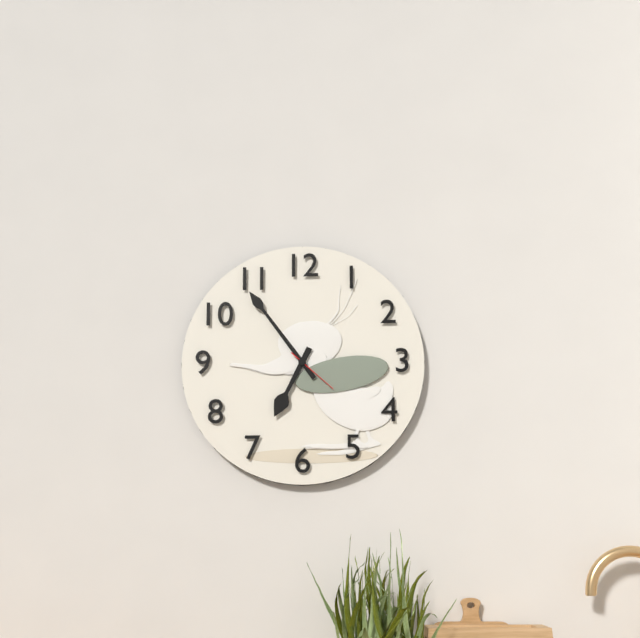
h=6 m=54 s=22
